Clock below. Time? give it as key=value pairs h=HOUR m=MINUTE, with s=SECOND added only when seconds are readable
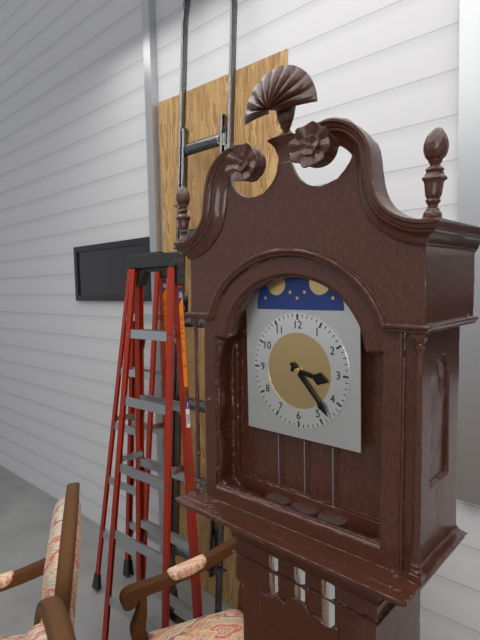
h=3 m=23
